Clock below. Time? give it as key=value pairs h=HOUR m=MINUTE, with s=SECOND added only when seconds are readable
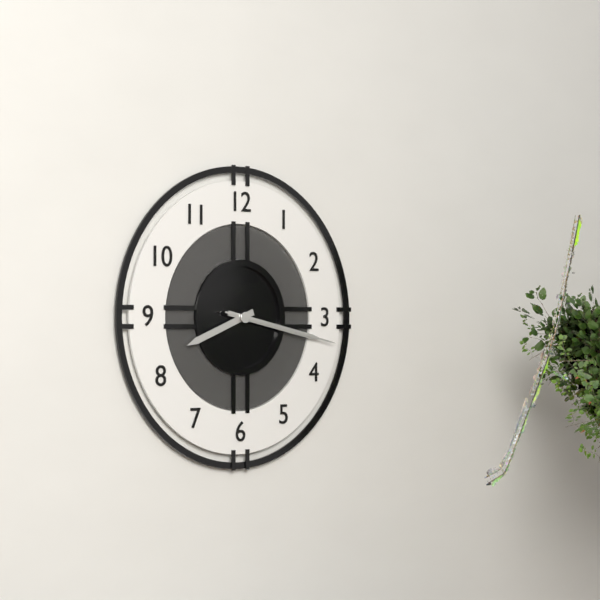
h=8 m=17 s=17
